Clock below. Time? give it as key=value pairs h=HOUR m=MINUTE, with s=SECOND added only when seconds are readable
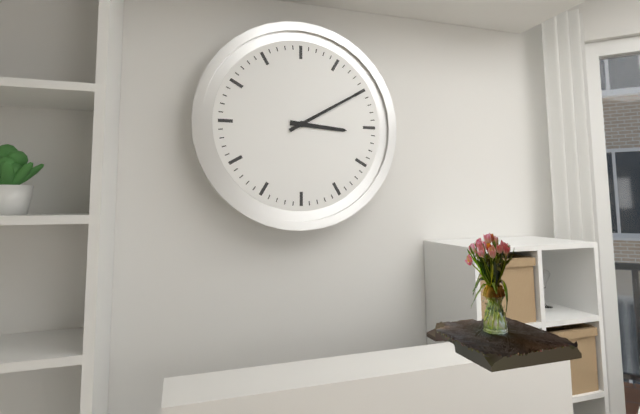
h=3 m=10
